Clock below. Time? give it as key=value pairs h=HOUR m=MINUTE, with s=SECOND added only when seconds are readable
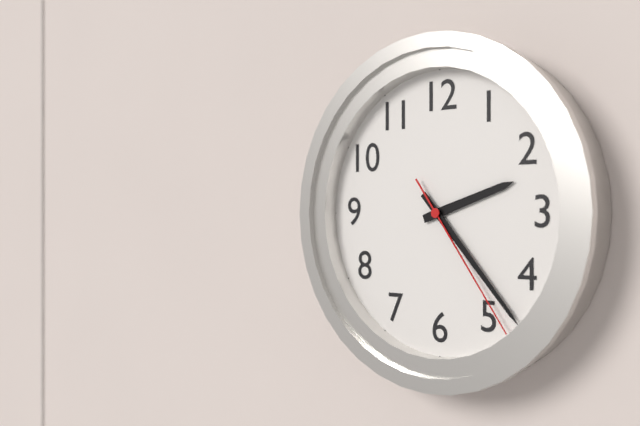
h=2 m=23 s=24
